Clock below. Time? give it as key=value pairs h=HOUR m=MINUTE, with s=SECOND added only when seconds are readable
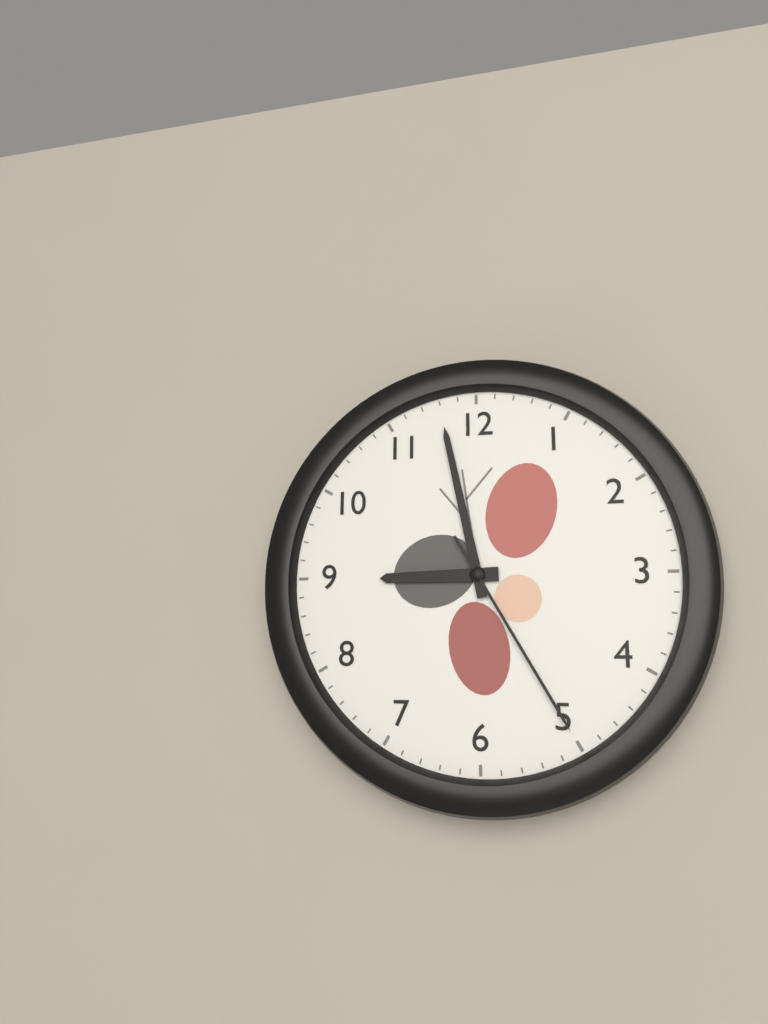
h=8 m=58 s=25
